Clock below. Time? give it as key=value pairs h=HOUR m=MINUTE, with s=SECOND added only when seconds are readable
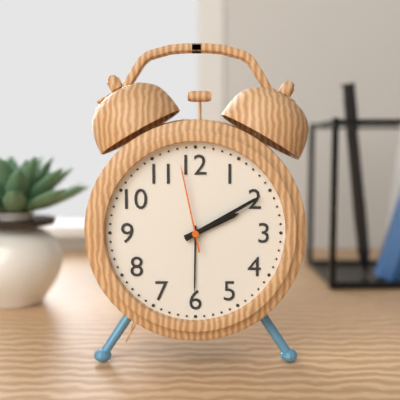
h=2 m=10 s=58
